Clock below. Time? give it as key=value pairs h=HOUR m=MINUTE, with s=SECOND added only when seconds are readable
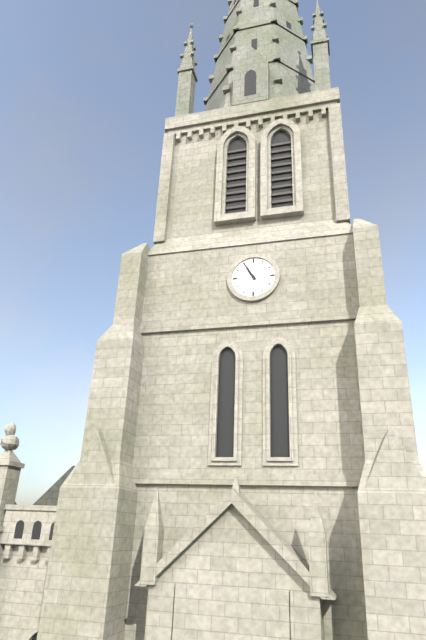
h=10 m=55
